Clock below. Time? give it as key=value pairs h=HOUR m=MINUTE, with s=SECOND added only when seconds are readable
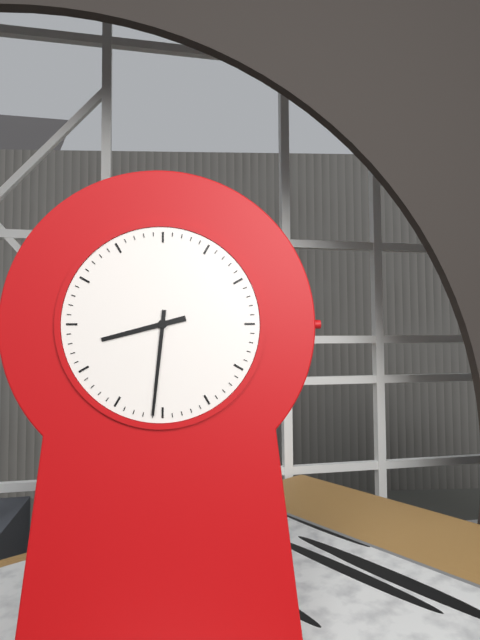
h=8 m=31
